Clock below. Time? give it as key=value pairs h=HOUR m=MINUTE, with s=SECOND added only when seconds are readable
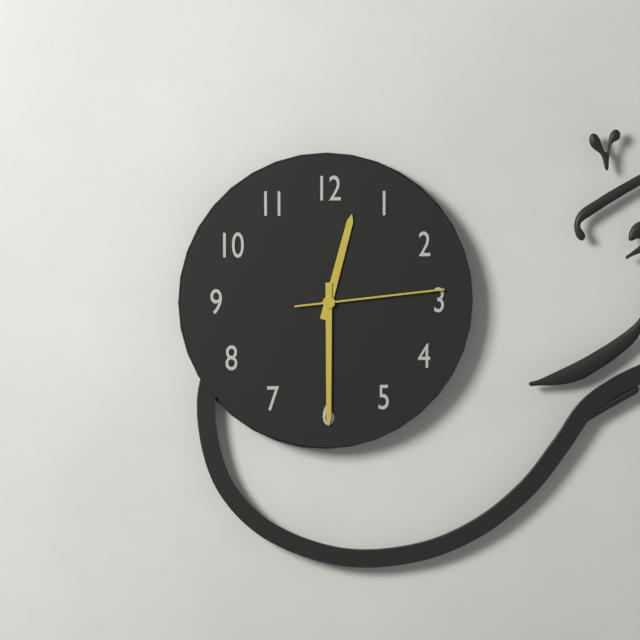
h=12 m=30 s=14
